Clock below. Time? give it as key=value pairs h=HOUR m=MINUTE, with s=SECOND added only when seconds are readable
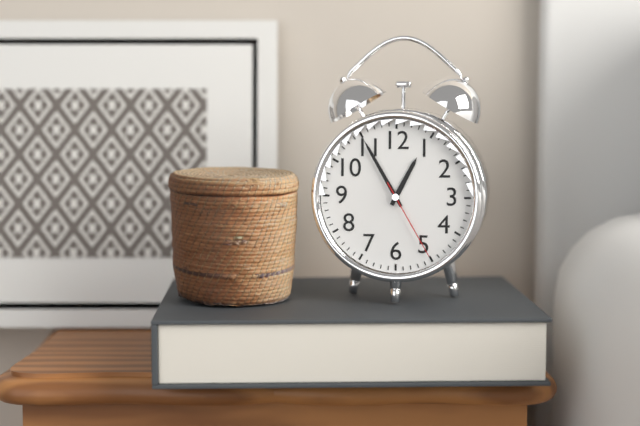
h=12 m=55 s=25
